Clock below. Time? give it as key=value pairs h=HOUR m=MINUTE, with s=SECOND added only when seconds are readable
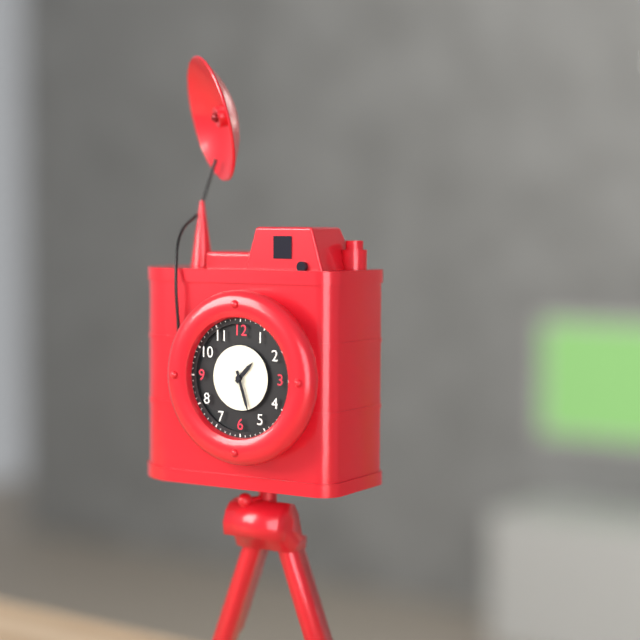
h=1 m=27
